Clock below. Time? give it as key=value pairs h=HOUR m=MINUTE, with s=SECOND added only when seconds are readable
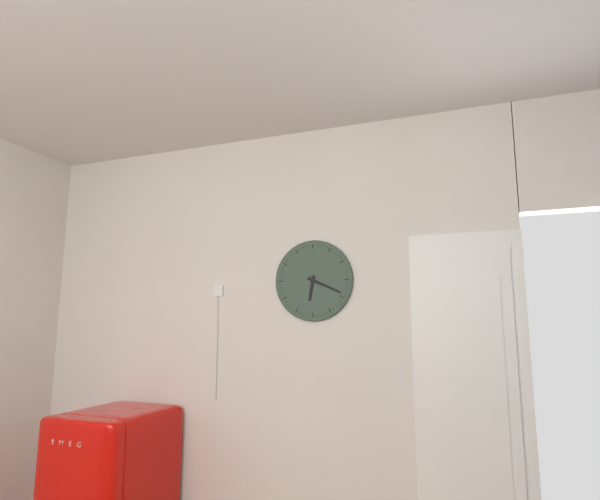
h=6 m=19
